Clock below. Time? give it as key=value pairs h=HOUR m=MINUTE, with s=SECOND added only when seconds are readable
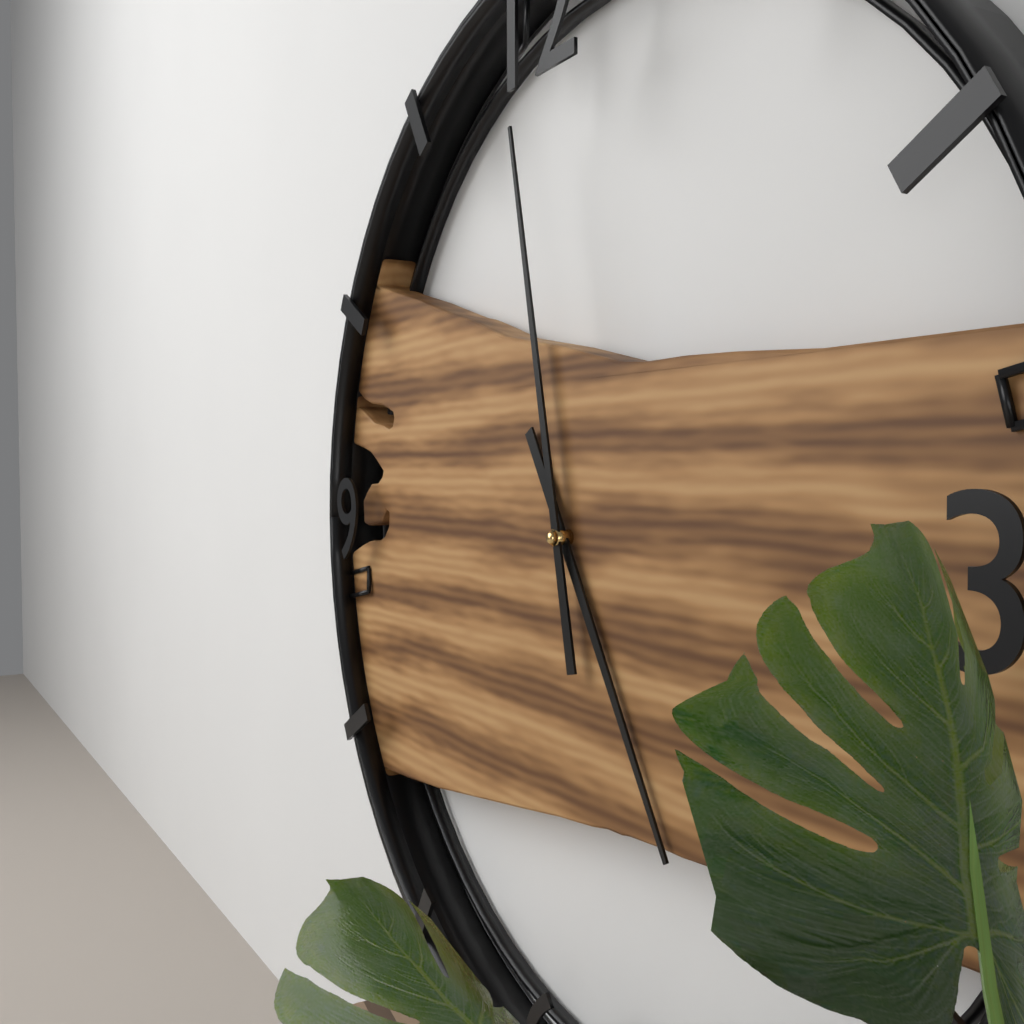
h=4 m=58
